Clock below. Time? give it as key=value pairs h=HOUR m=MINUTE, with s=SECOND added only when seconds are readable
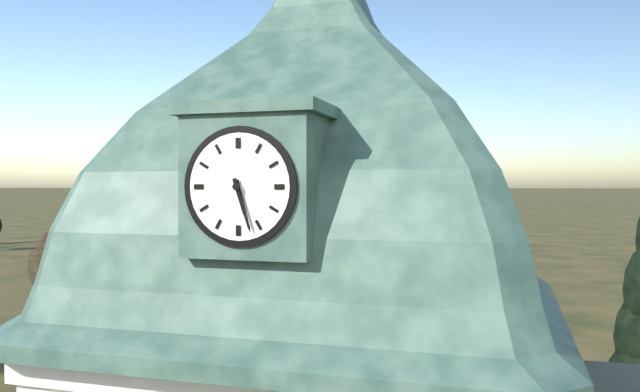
h=5 m=27
